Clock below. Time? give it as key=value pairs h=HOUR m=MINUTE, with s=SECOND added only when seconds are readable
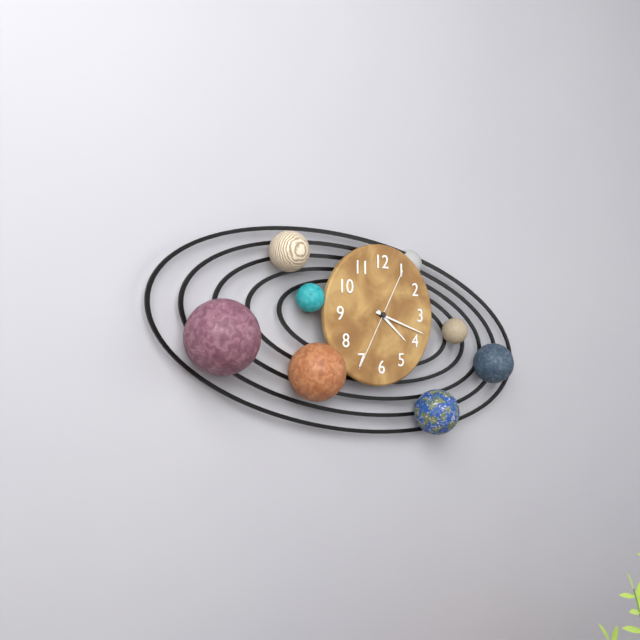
h=4 m=18 s=35
